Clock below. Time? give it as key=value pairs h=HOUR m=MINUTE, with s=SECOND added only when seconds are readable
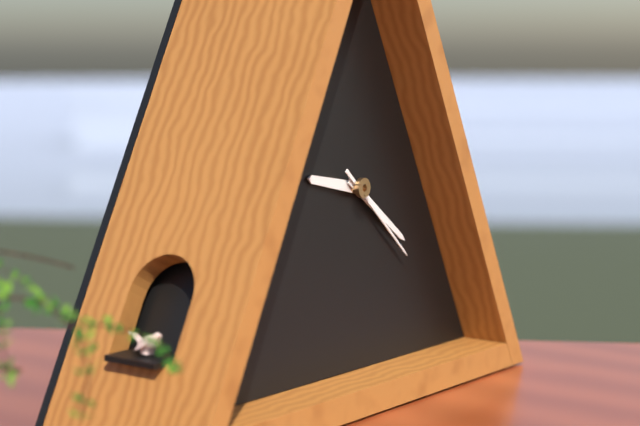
h=9 m=21 s=22
